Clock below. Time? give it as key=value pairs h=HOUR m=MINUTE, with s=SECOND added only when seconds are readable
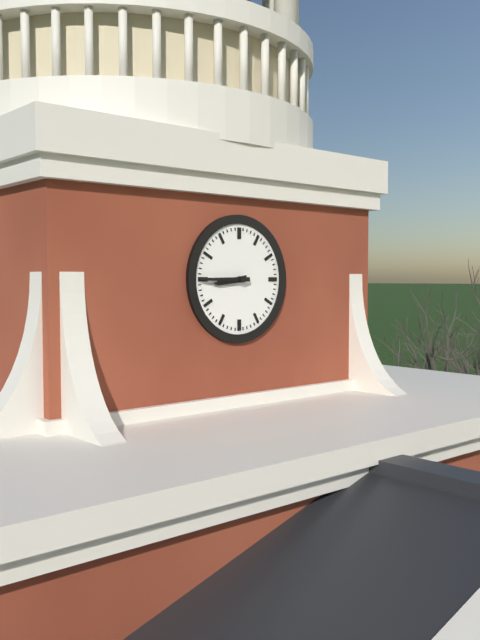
h=8 m=45
